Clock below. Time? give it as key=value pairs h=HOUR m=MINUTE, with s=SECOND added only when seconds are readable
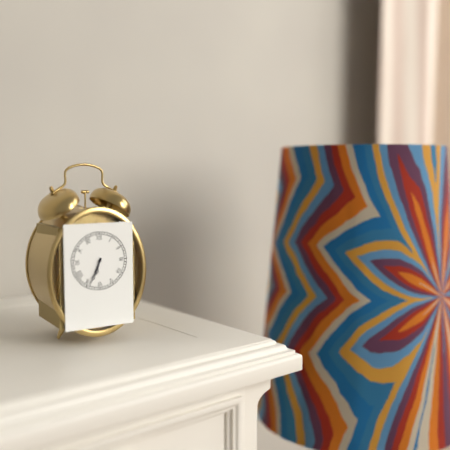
h=6 m=34
